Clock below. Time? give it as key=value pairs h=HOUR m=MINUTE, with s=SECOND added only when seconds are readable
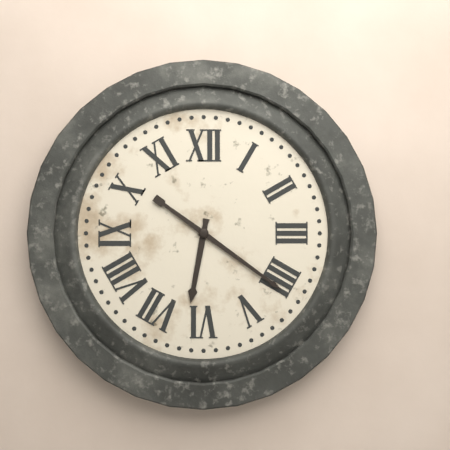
h=6 m=21
